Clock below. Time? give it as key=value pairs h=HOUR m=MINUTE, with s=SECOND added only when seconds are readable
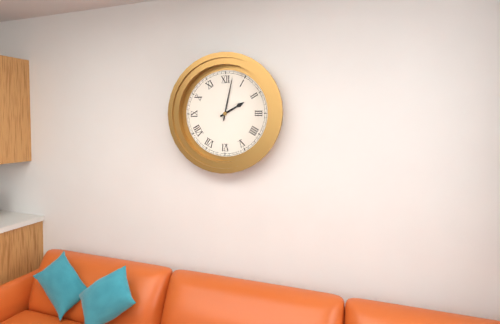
h=2 m=2
